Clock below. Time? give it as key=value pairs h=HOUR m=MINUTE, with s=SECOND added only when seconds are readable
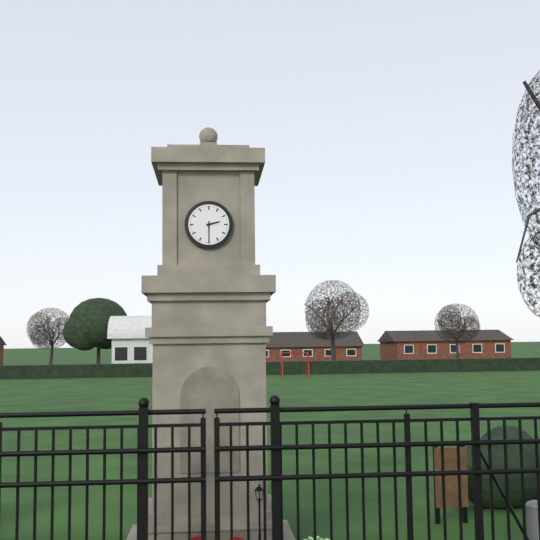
h=2 m=30
